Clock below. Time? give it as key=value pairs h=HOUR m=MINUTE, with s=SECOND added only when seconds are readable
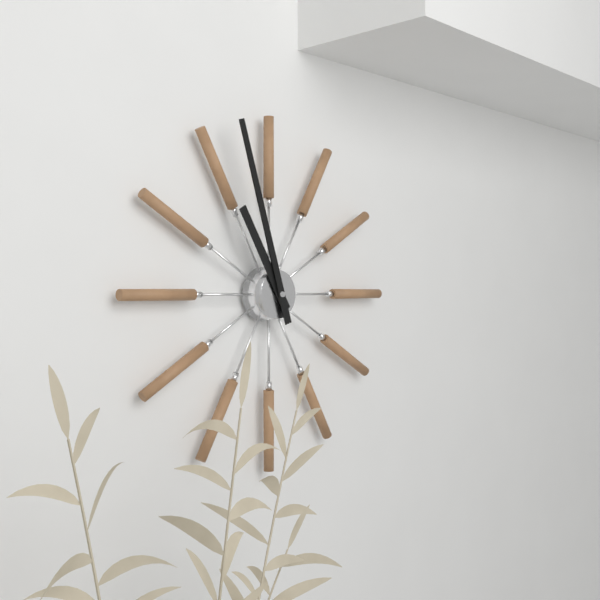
h=10 m=57
